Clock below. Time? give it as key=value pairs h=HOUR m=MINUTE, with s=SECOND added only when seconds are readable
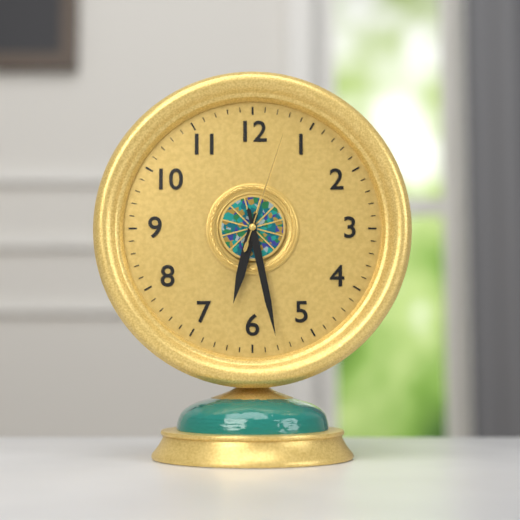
h=6 m=28 s=3
